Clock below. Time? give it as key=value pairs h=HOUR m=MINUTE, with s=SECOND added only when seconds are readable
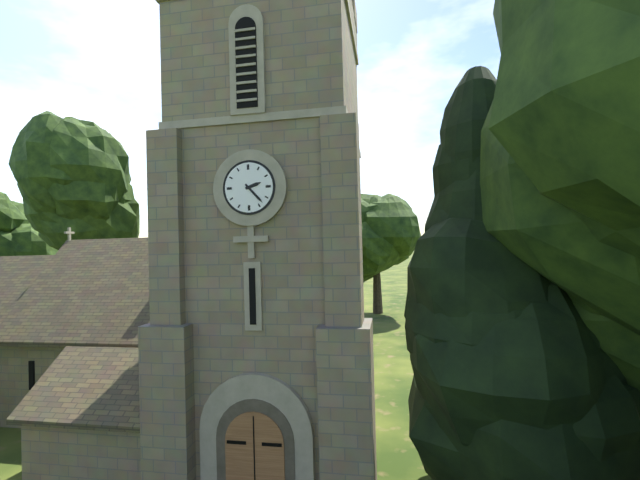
h=2 m=23
